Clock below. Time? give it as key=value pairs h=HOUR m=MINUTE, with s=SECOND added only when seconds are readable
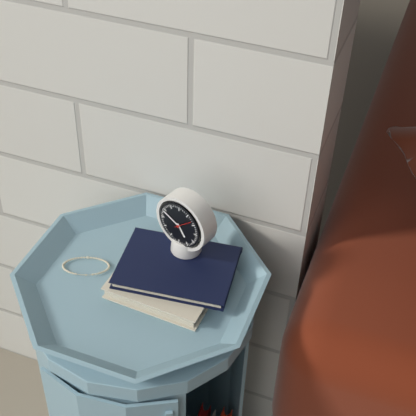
h=4 m=49
